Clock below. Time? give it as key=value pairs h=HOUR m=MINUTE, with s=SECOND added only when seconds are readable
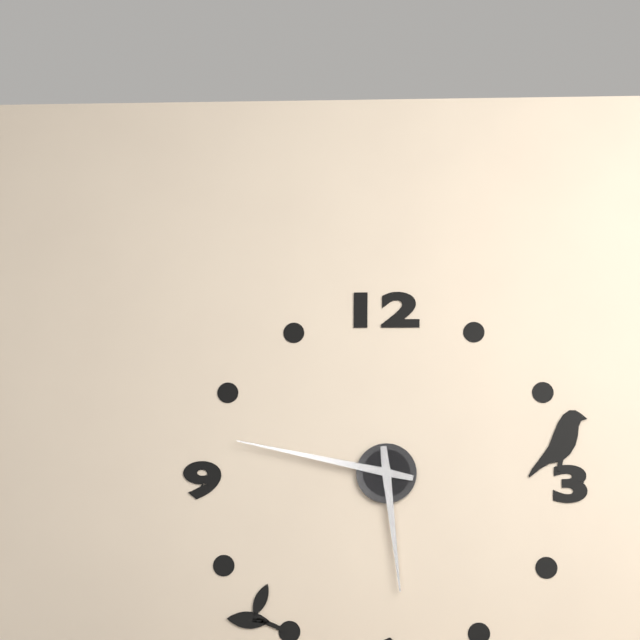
h=5 m=47
